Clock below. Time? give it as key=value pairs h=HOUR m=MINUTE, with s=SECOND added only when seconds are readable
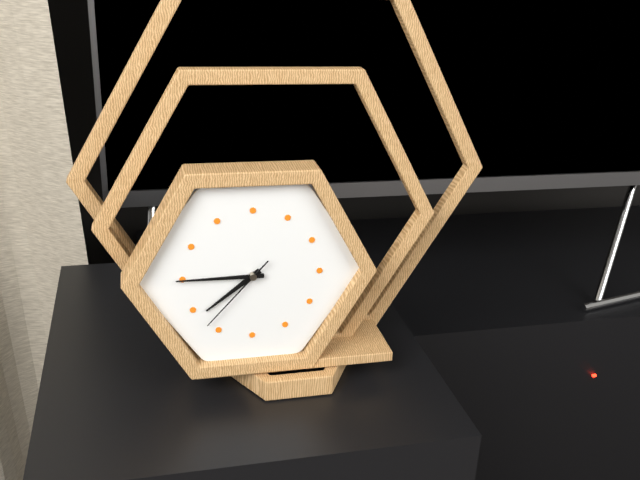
h=7 m=45 s=37
